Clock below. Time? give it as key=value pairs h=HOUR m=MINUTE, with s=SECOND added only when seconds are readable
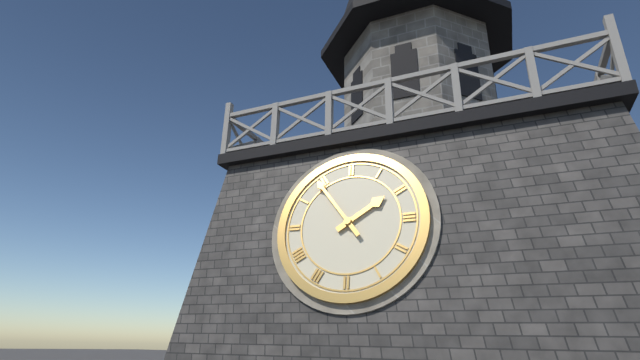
h=1 m=54
